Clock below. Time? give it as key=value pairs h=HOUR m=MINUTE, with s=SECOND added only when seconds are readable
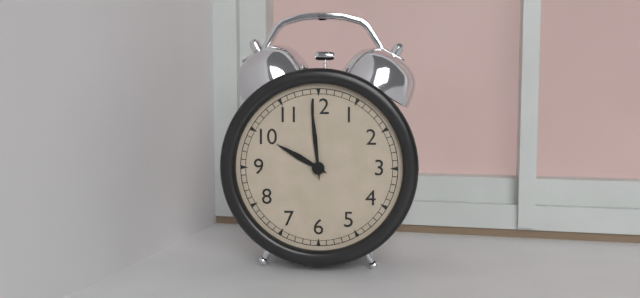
h=9 m=59
